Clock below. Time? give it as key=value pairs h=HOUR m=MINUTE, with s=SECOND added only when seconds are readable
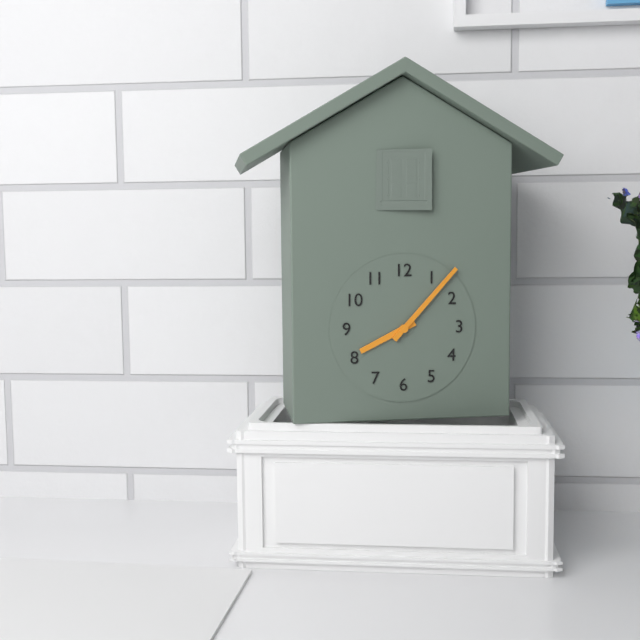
h=8 m=7
